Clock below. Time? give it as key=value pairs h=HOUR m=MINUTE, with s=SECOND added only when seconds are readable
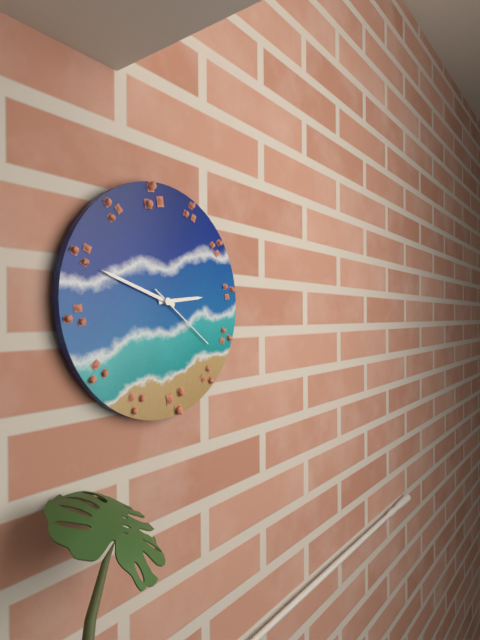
h=2 m=48 s=21
